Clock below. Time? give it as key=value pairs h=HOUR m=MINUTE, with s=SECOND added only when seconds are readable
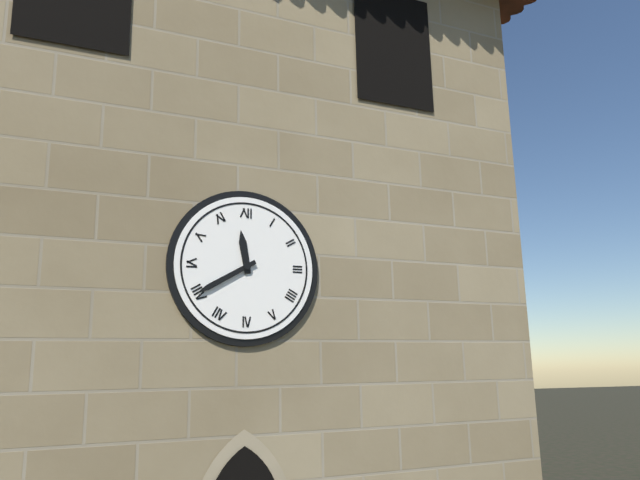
h=11 m=40
